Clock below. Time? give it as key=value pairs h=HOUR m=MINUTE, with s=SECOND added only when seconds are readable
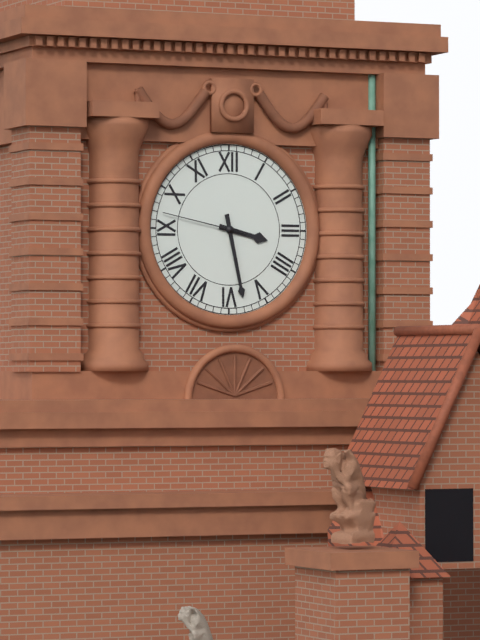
h=3 m=28 s=47
